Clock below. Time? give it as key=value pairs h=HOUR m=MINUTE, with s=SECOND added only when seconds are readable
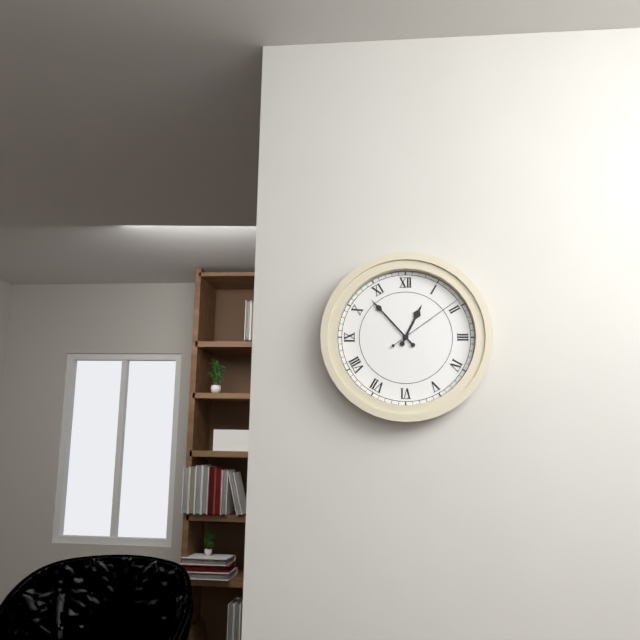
h=12 m=53 s=9
